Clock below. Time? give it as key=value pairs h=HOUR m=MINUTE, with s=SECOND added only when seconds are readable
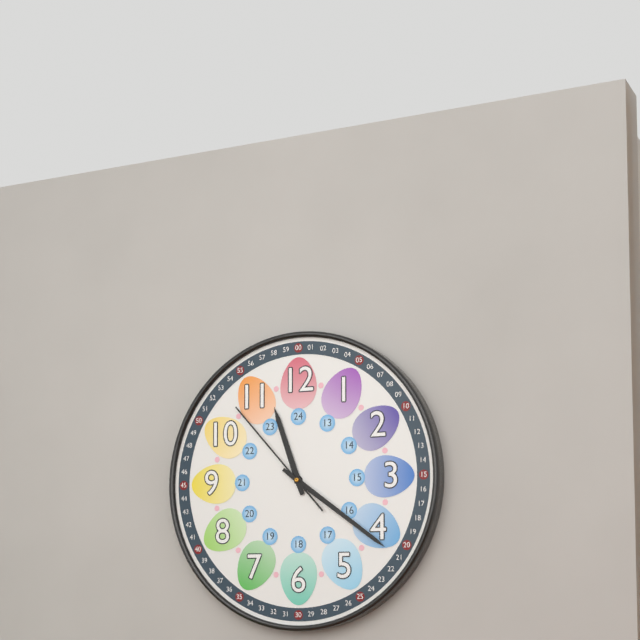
h=11 m=21 s=53
